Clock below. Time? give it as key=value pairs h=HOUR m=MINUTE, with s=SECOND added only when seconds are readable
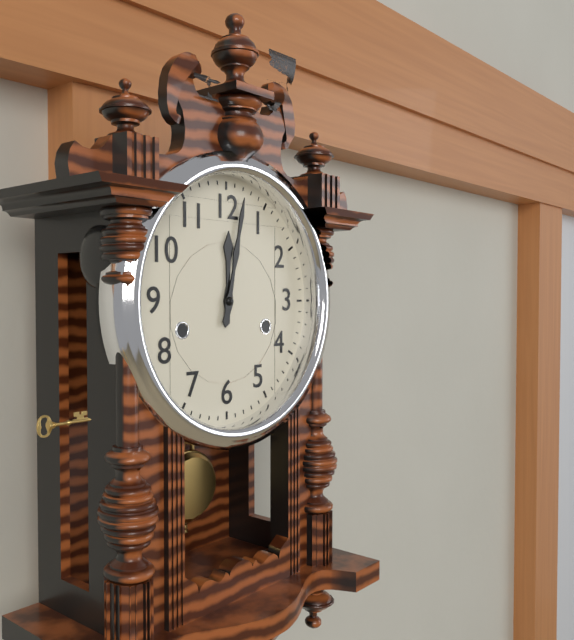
h=12 m=2
